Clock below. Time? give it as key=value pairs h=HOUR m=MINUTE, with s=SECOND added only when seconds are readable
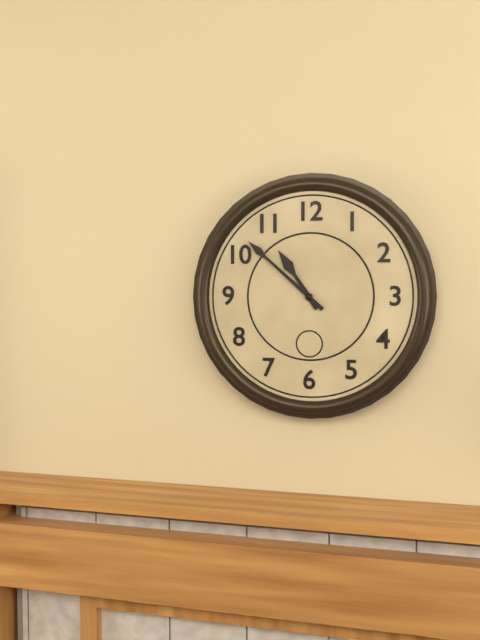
h=10 m=52
